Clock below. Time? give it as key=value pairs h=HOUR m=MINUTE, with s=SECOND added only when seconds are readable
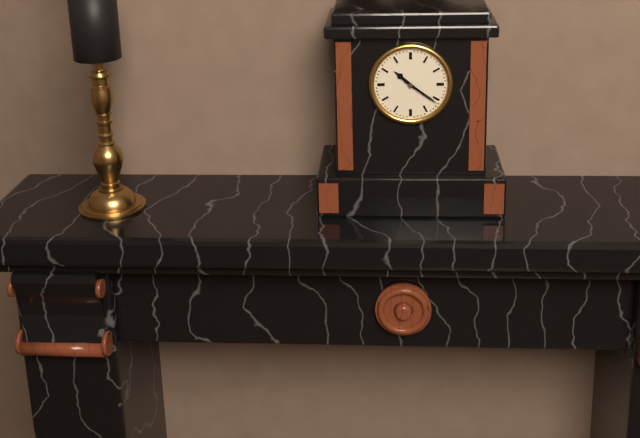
h=10 m=21
